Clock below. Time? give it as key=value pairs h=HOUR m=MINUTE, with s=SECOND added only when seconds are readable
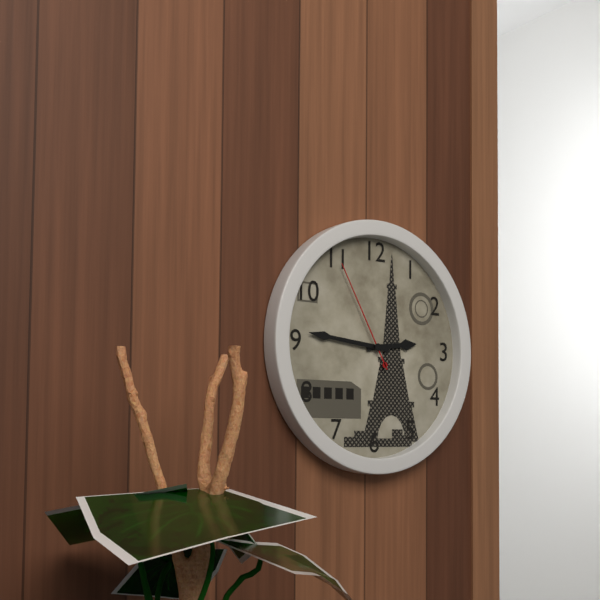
h=2 m=46 s=55
